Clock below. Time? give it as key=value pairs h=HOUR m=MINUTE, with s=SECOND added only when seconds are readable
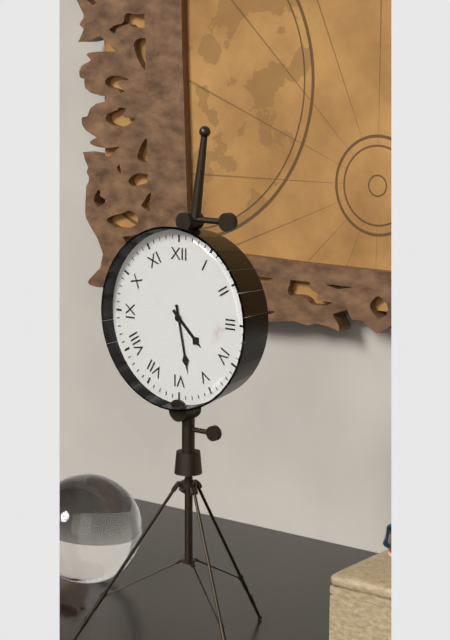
h=4 m=28
